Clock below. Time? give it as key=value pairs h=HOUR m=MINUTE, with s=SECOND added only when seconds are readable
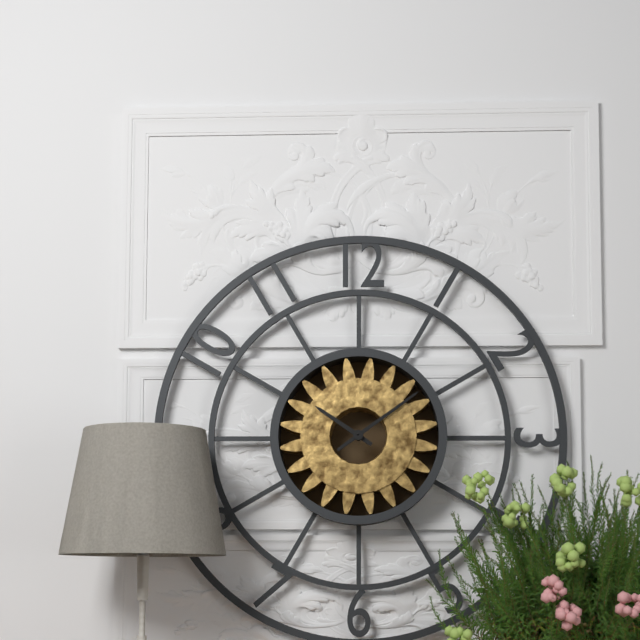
h=10 m=9
